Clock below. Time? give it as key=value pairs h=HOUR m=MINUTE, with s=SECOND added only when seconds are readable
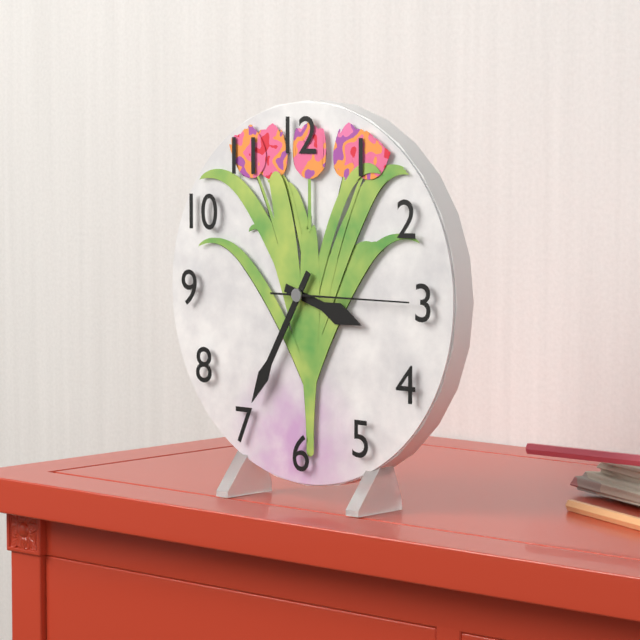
h=3 m=35 s=15
